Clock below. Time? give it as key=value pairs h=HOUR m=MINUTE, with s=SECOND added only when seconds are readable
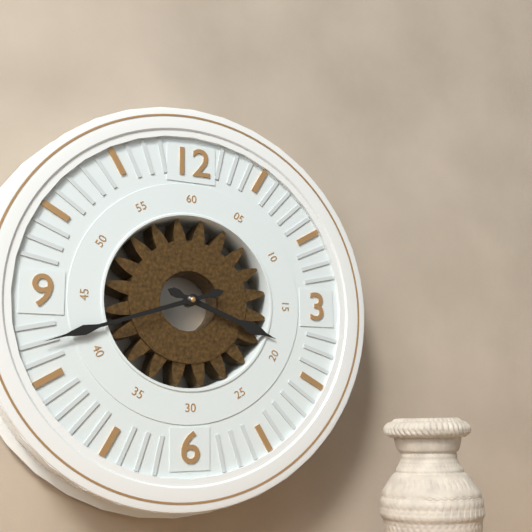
h=3 m=42
